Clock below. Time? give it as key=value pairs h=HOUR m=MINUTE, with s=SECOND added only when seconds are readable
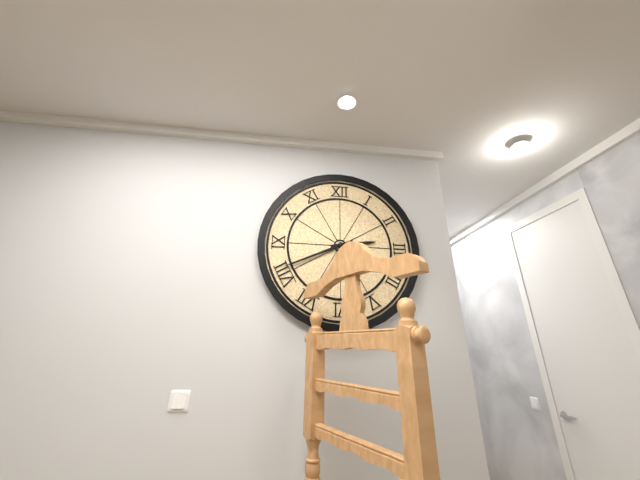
h=2 m=41
